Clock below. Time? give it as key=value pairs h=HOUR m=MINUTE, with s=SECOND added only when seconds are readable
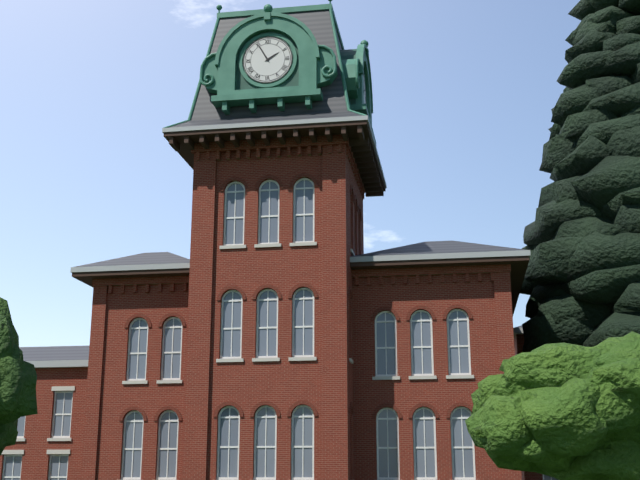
h=1 m=55
